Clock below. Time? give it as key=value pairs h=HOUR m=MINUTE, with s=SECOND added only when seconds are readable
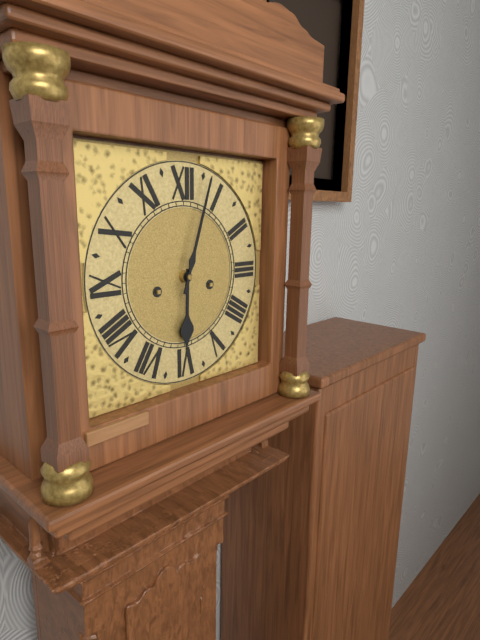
h=6 m=3
